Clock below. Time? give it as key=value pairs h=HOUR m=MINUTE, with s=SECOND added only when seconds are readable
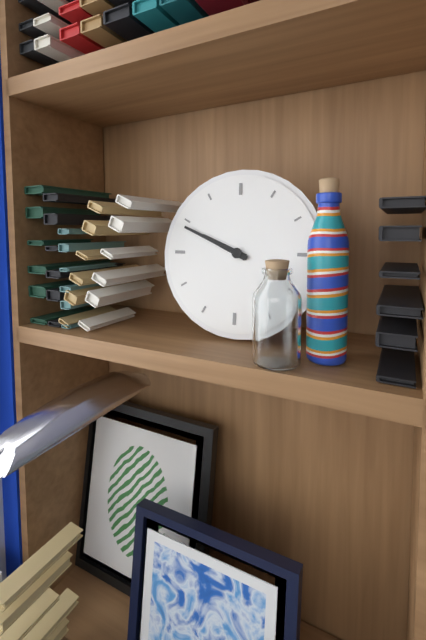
h=9 m=49
